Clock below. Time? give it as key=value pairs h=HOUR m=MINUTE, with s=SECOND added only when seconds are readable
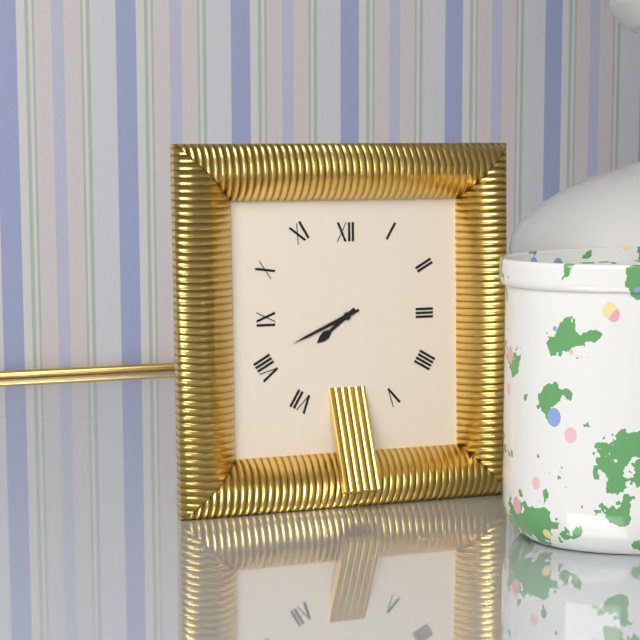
h=7 m=41
